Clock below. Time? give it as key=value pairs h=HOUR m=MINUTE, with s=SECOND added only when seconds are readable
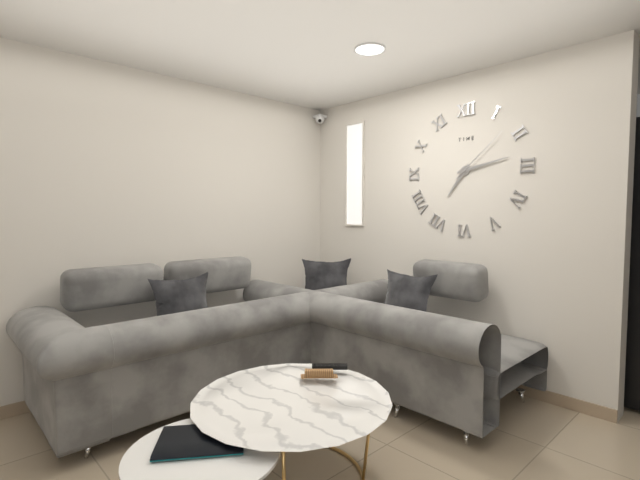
h=7 m=13 s=8
